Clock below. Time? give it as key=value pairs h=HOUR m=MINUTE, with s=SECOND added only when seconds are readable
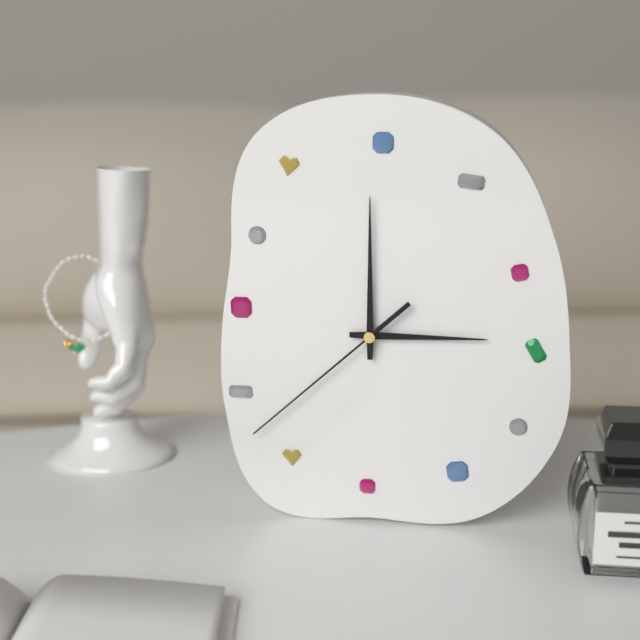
h=3 m=0 s=38
